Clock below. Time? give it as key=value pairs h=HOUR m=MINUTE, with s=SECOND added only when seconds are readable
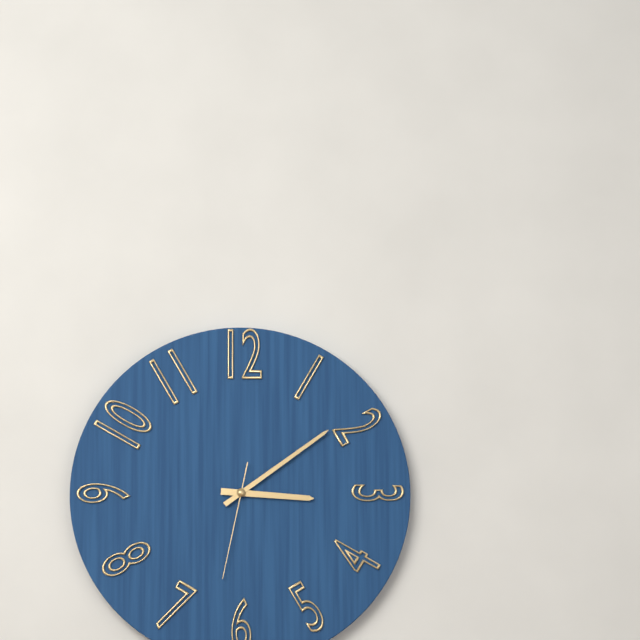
h=3 m=9 s=32
